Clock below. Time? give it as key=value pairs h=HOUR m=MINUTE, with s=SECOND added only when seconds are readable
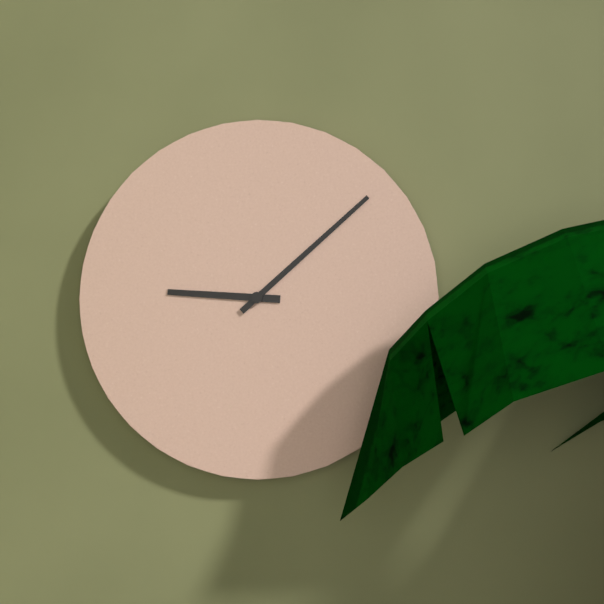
h=9 m=8
